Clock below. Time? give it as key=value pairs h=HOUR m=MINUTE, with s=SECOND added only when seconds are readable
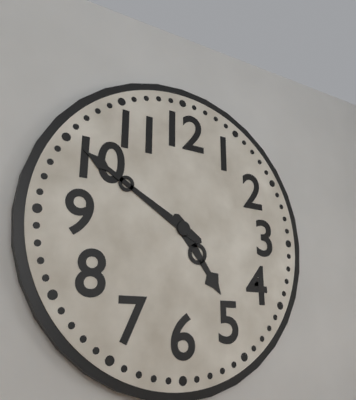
h=4 m=50
